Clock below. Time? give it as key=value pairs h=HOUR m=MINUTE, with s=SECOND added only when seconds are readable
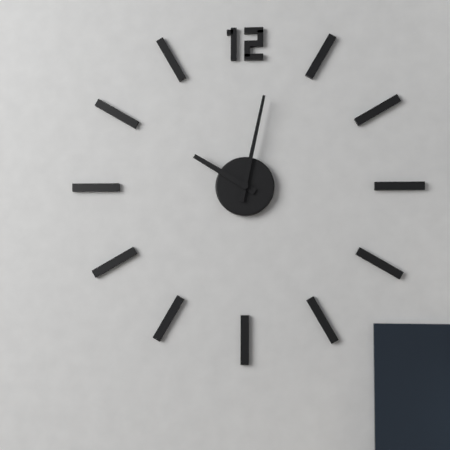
h=10 m=2
